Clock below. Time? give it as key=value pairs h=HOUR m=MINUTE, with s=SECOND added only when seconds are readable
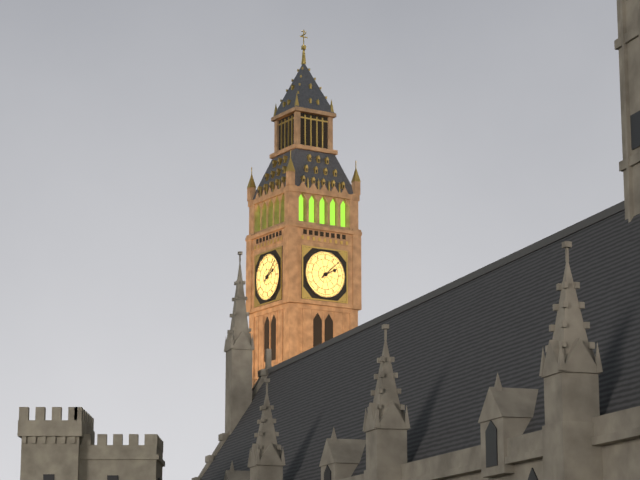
h=2 m=8
